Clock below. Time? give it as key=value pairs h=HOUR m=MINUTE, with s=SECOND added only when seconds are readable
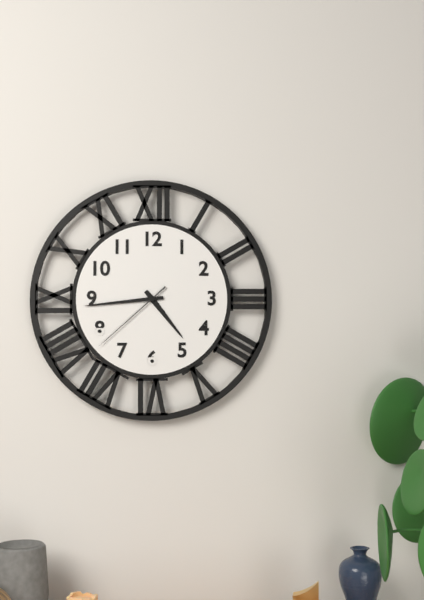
h=4 m=44 s=38
